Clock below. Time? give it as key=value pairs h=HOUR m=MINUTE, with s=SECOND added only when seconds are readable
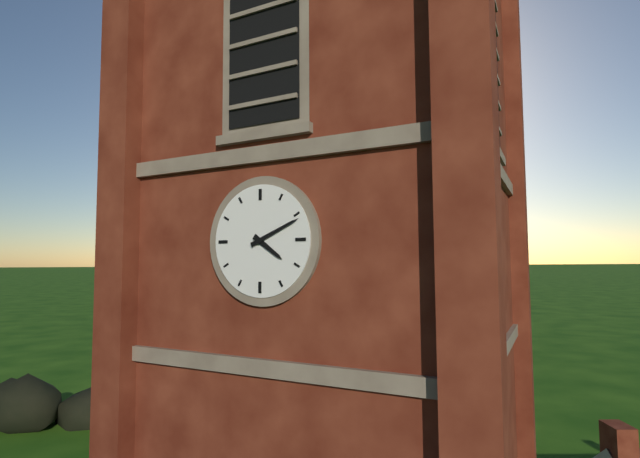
h=4 m=11
